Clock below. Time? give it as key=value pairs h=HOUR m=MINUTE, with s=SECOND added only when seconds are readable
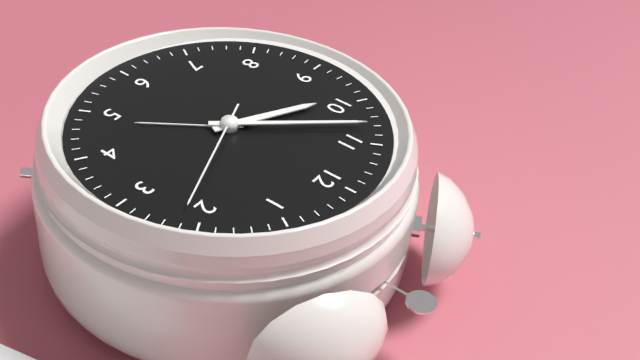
h=9 m=53 s=11
